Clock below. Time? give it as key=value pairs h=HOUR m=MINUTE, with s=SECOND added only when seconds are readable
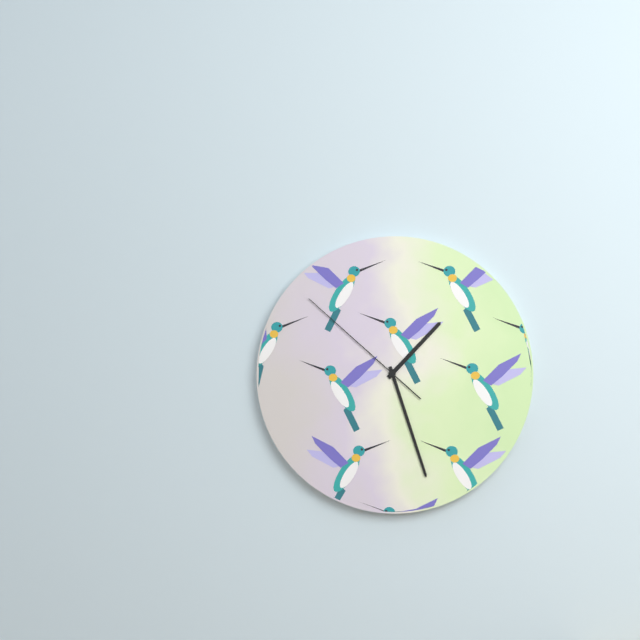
h=1 m=27 s=52
